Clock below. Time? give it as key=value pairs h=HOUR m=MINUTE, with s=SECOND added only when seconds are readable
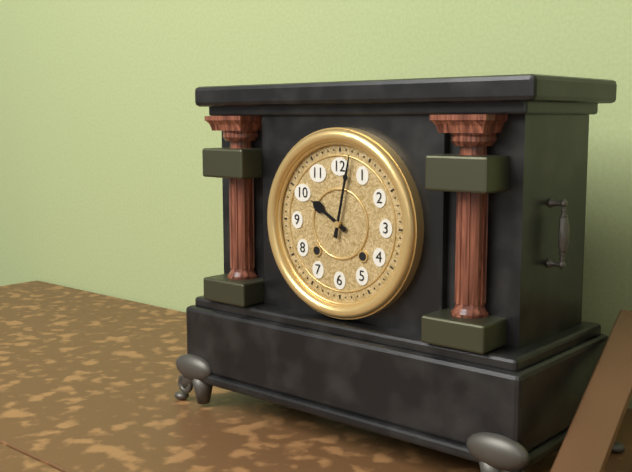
h=10 m=2
